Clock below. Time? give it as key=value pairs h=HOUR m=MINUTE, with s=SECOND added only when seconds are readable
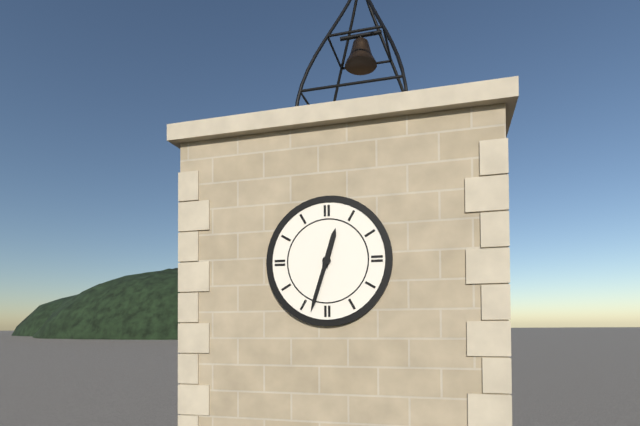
h=12 m=33
